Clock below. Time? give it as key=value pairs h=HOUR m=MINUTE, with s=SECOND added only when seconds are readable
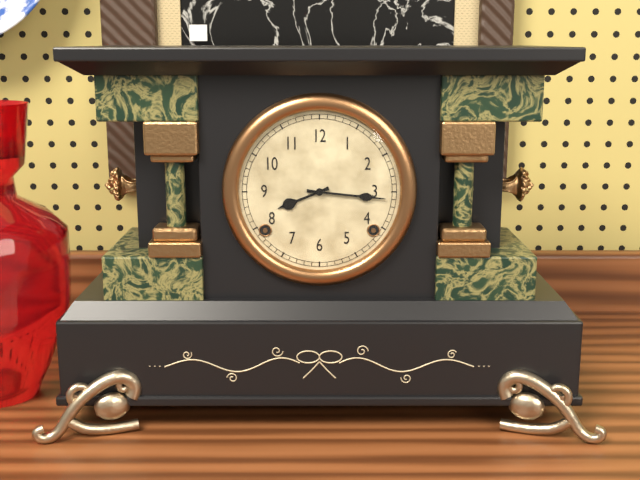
h=8 m=16
